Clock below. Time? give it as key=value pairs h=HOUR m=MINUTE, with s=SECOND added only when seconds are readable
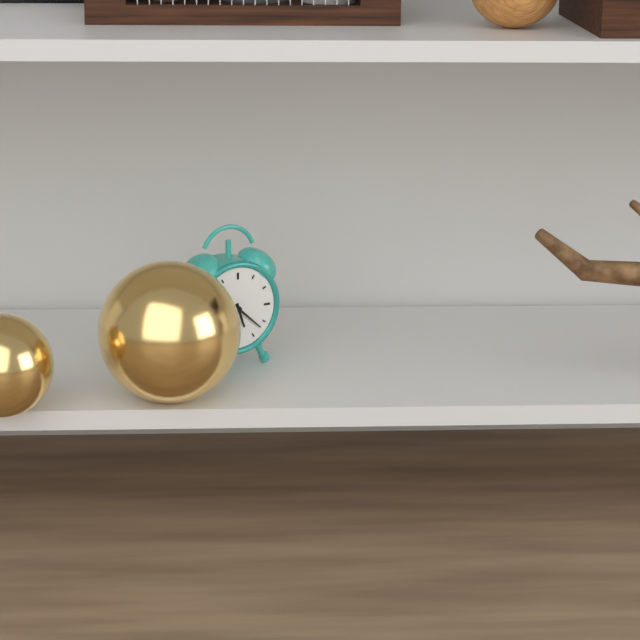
h=5 m=22
